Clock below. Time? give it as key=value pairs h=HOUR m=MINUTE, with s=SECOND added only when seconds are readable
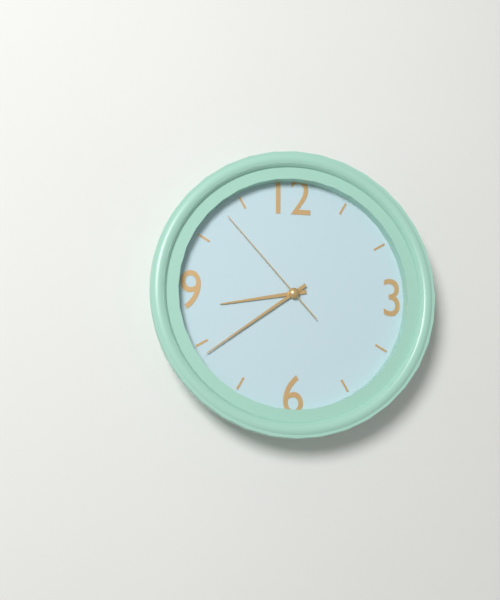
h=8 m=39 s=53
